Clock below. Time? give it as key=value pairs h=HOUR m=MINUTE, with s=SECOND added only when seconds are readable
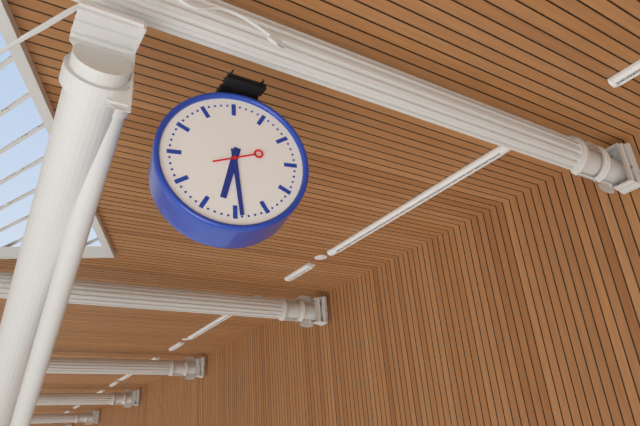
h=6 m=29
